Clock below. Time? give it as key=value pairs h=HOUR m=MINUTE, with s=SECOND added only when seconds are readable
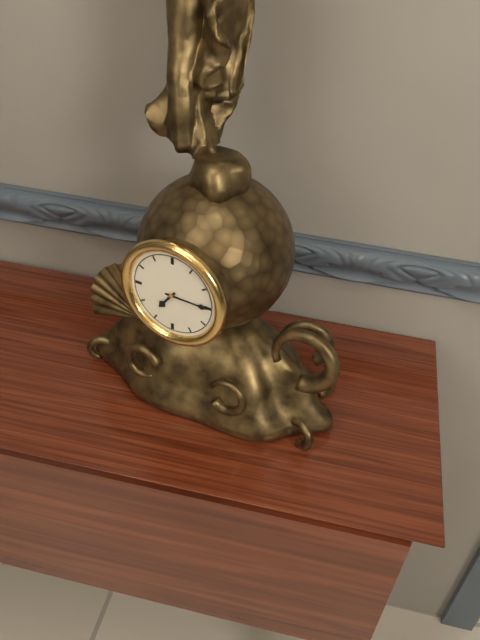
h=7 m=15
